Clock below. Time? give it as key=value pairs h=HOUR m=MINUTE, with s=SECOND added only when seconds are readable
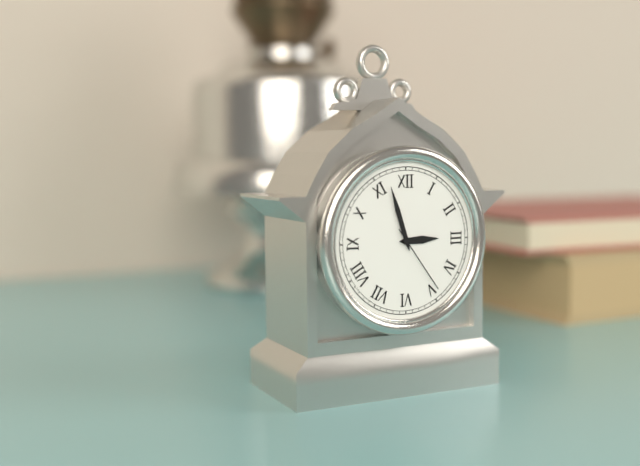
h=2 m=57 s=24
